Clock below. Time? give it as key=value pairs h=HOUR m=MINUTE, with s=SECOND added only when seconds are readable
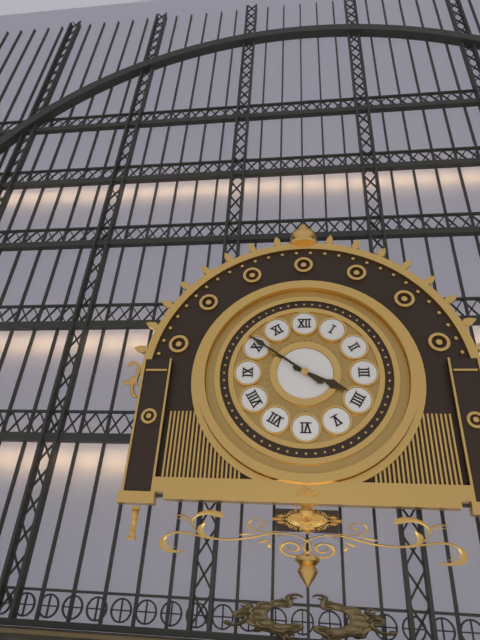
h=3 m=51
